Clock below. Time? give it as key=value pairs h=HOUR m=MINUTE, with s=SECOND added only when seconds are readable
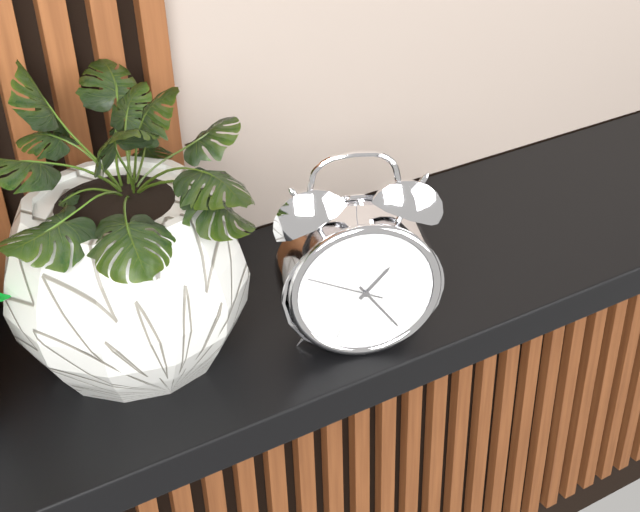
h=1 m=24 s=49
